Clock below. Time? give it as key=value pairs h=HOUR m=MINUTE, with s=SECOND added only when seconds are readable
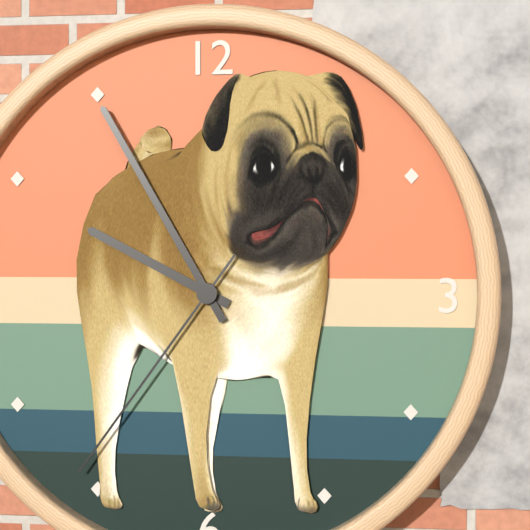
h=9 m=55 s=36
